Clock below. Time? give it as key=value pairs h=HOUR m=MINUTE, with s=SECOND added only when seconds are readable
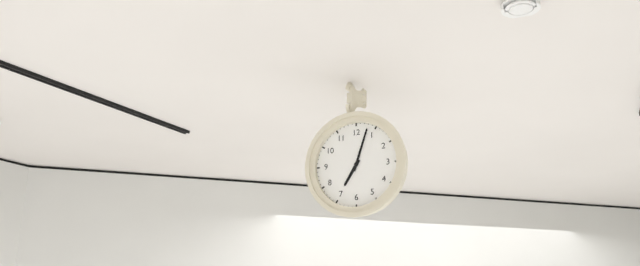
h=7 m=3
